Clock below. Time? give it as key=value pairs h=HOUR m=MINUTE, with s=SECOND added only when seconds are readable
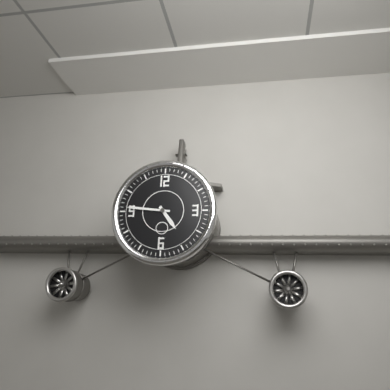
h=4 m=46
